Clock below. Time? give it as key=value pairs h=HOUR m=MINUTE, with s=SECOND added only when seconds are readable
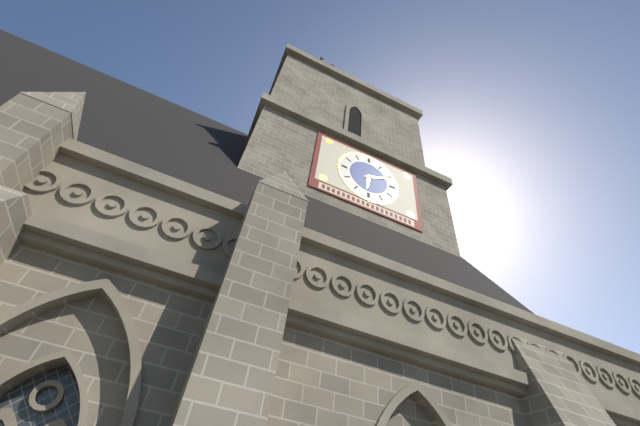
h=6 m=11
